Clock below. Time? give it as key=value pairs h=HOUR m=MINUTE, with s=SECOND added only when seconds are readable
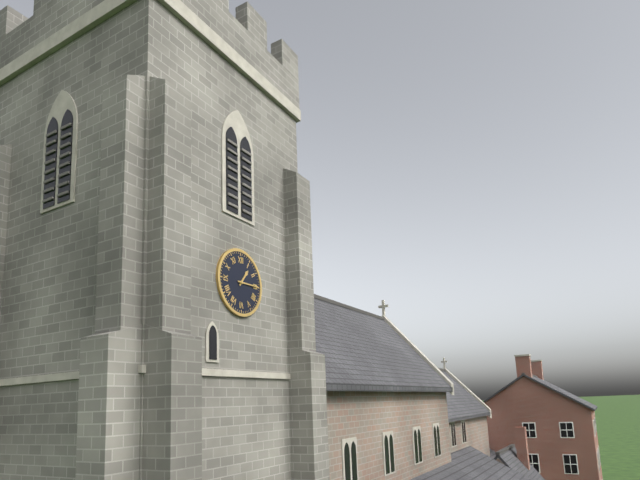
h=1 m=15
